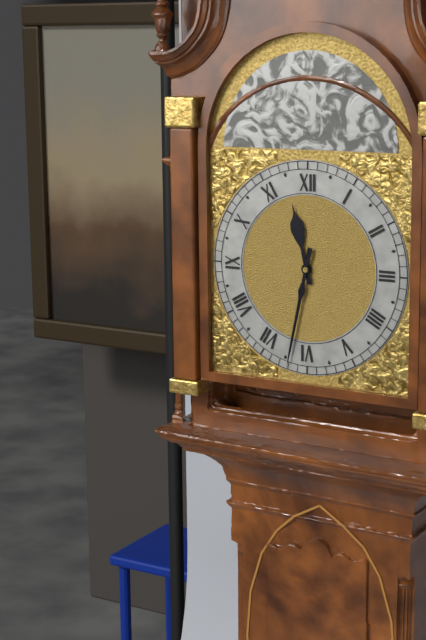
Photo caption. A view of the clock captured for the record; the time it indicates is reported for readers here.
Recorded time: 11:32
